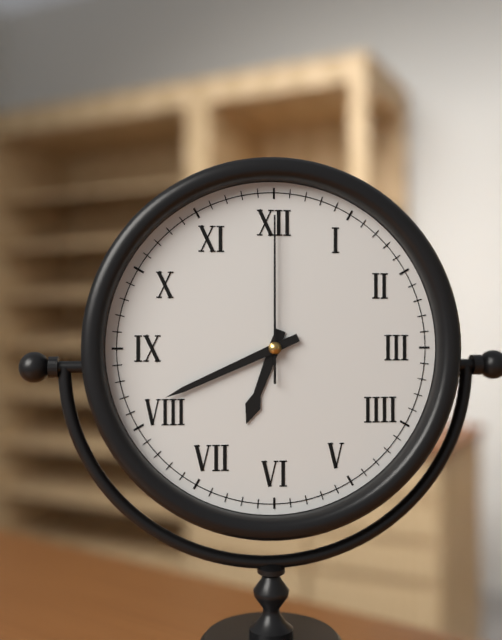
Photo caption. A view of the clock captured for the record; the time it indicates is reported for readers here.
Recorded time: 6:41:00
